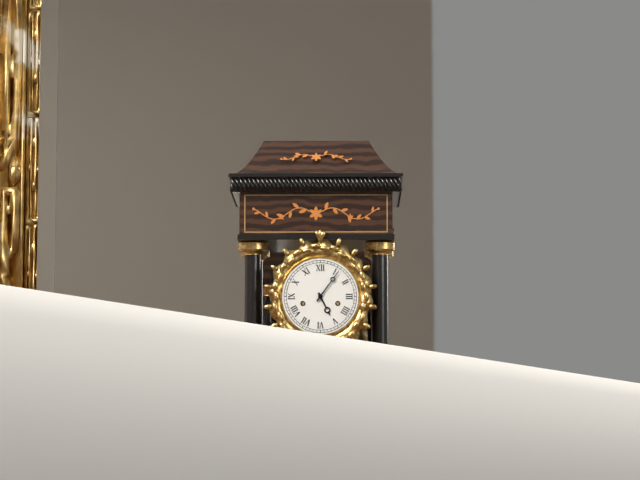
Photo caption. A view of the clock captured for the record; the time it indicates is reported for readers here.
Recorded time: 5:06
